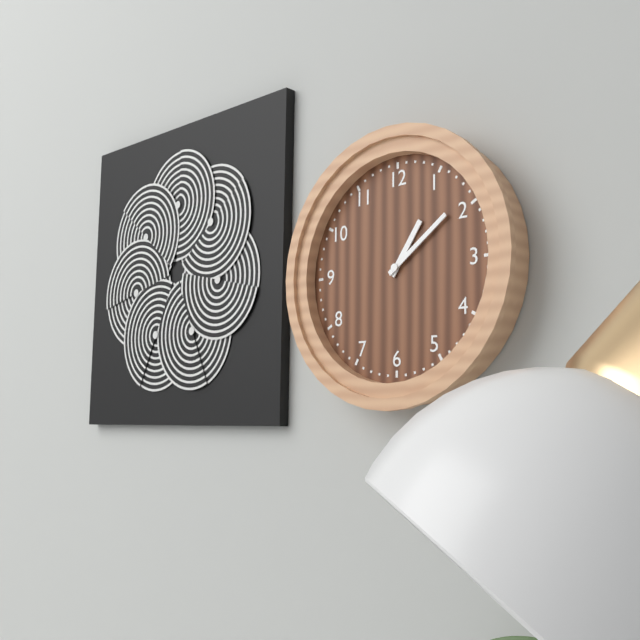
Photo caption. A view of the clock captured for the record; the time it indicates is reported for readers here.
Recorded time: 1:09
